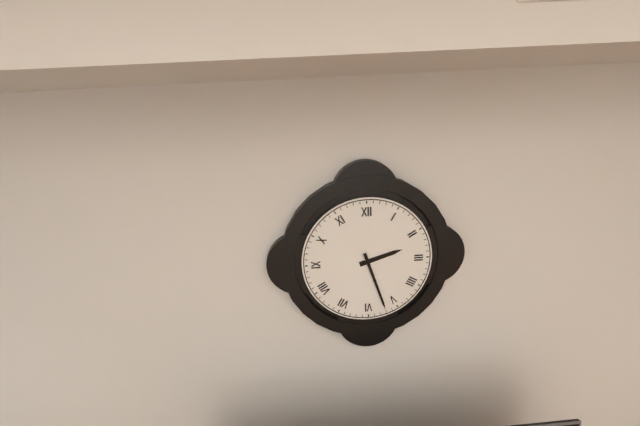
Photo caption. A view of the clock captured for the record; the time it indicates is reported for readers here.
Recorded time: 2:27
